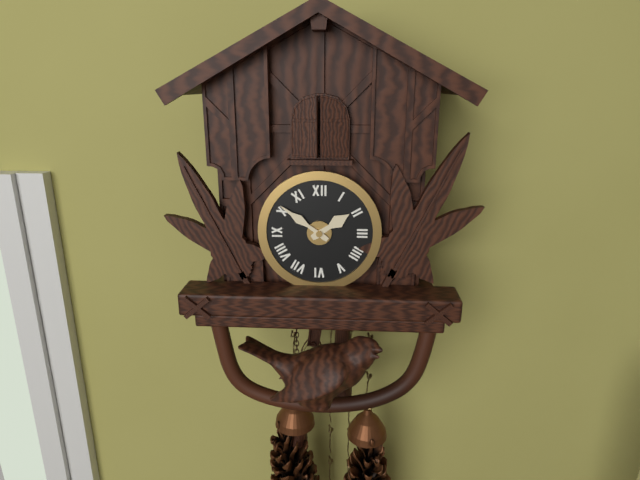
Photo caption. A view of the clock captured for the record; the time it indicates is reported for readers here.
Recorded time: 1:51
